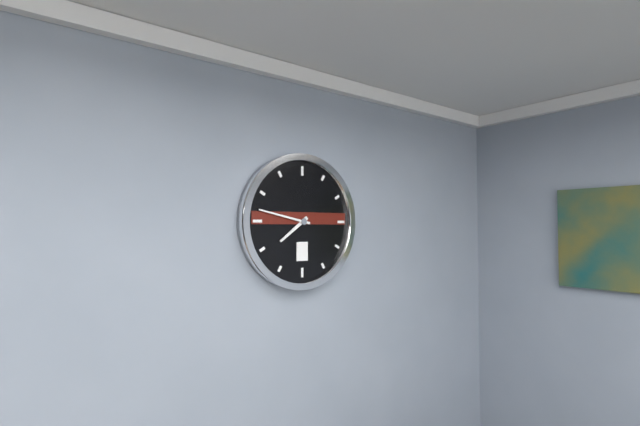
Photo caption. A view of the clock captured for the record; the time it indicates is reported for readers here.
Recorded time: 7:47
